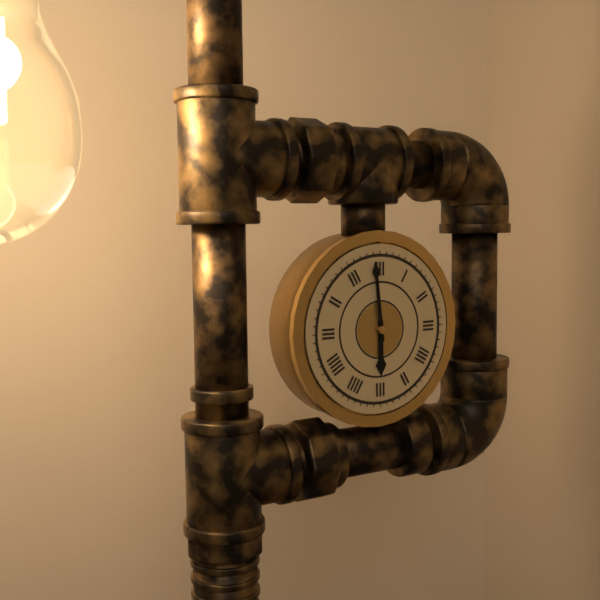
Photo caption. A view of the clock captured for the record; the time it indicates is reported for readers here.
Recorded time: 5:59
